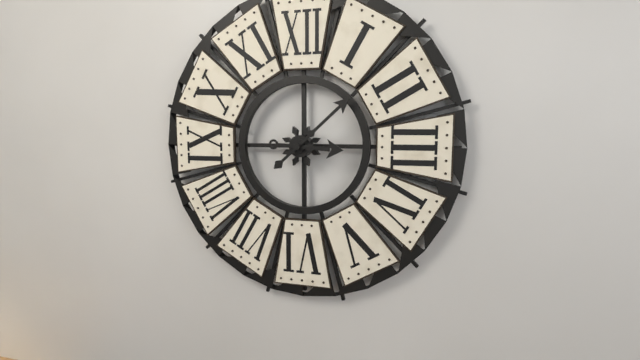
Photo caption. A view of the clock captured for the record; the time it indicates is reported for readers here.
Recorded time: 3:08
